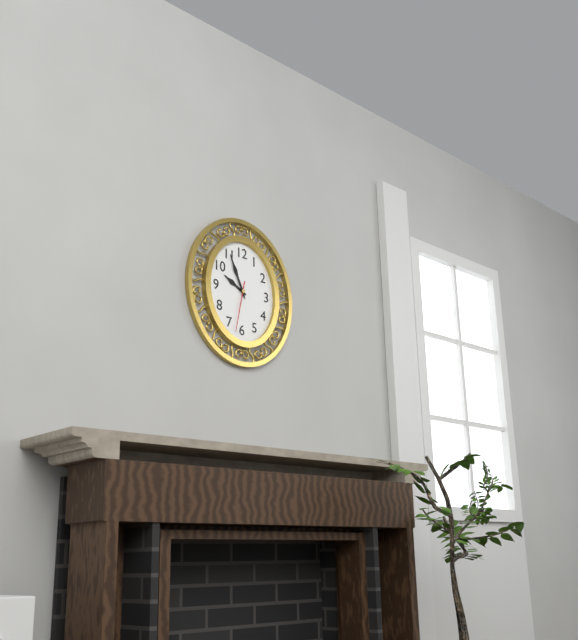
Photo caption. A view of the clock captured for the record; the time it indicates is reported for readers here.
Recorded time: 9:56
